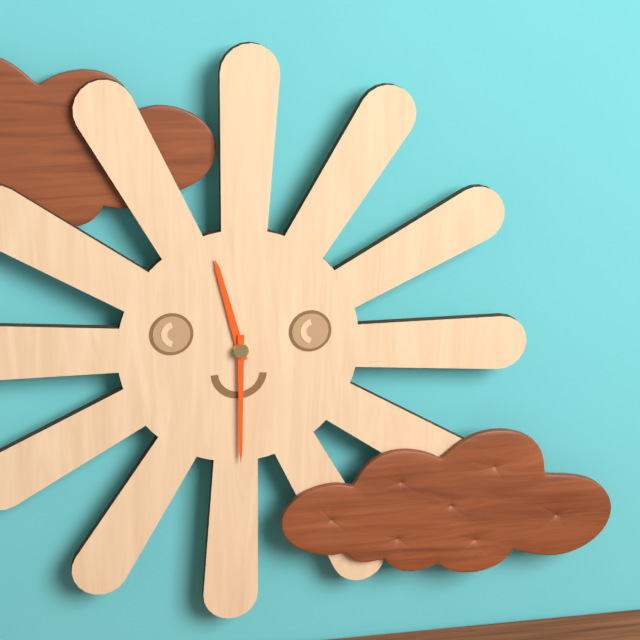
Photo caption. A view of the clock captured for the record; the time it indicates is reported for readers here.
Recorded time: 11:30
